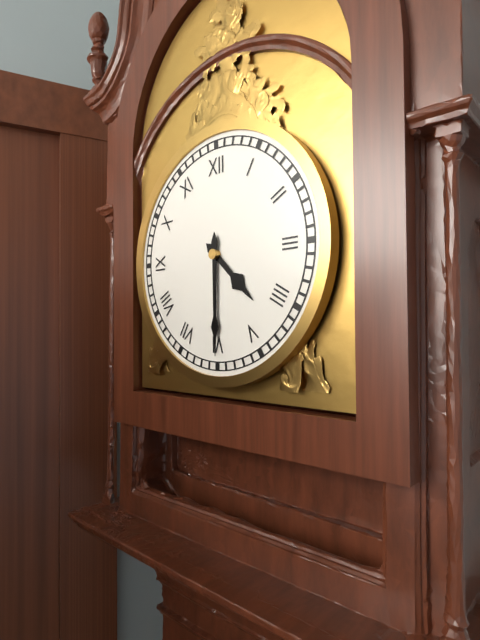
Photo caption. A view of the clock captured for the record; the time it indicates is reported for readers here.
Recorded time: 4:30
